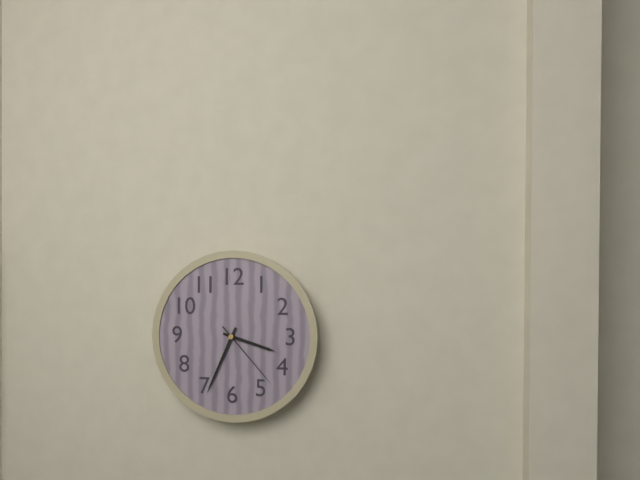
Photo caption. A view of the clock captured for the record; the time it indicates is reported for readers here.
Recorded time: 3:34:23
